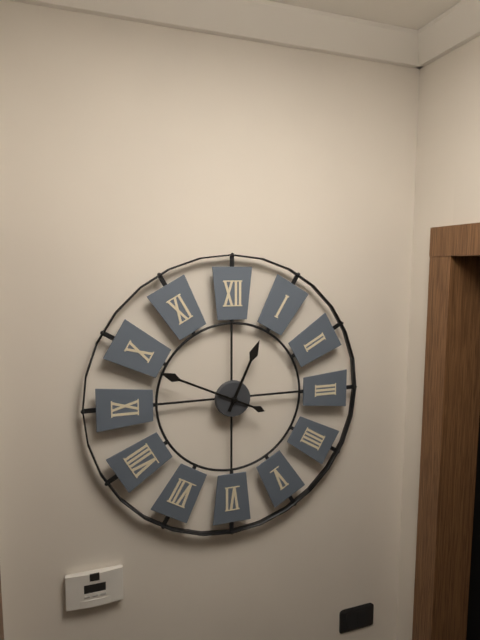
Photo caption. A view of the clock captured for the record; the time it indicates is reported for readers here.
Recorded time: 12:49
